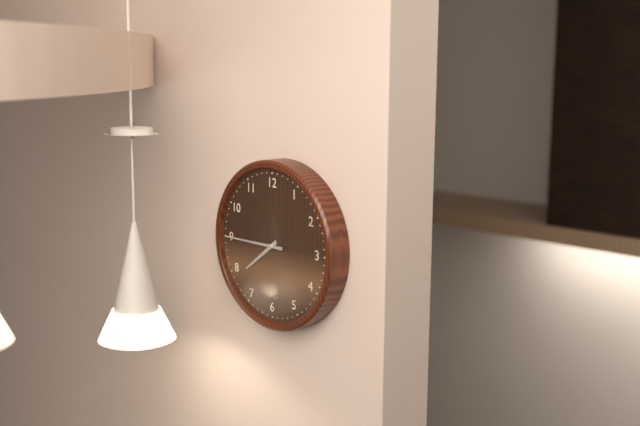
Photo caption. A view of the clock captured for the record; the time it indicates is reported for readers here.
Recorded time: 7:45
